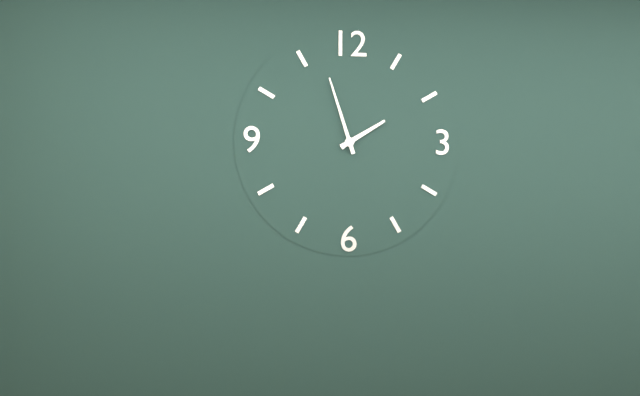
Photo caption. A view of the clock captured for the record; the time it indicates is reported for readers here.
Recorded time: 1:57
